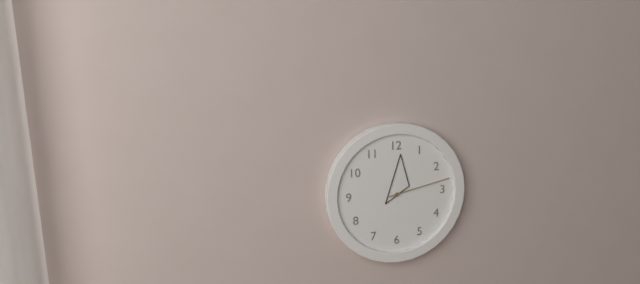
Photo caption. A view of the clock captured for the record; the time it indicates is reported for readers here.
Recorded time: 12:13
